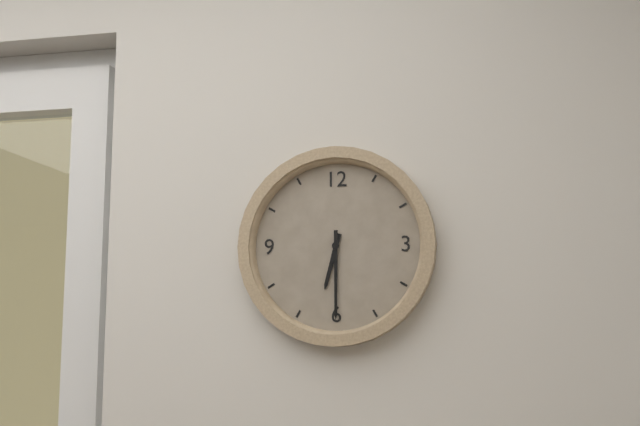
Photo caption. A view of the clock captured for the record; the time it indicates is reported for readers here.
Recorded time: 6:30
